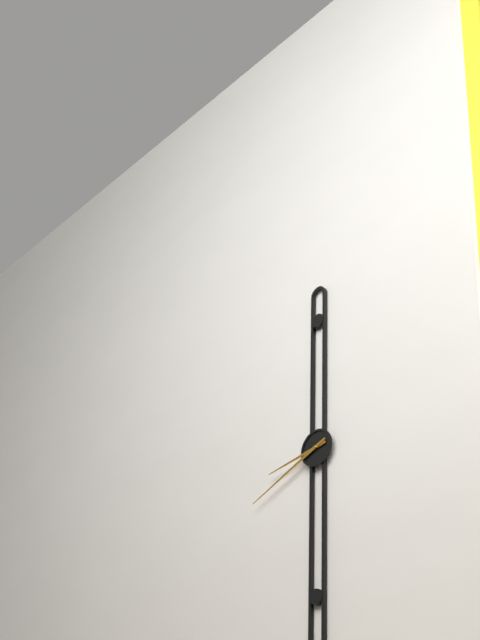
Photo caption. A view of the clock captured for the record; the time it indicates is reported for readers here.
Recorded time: 8:41
